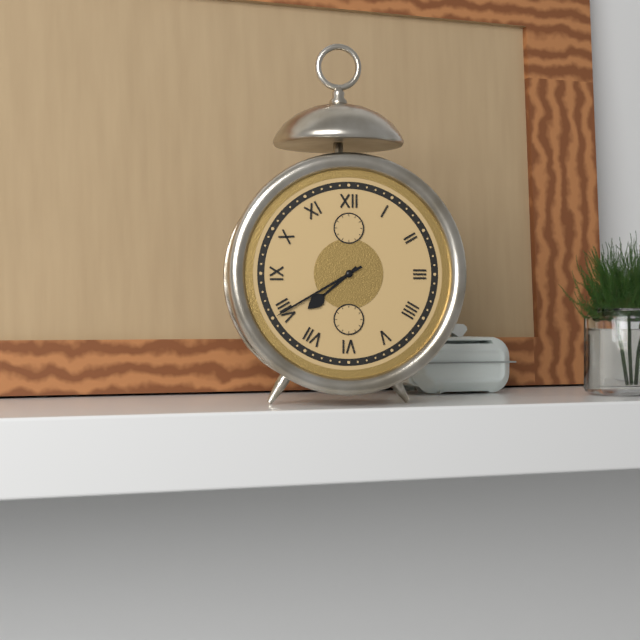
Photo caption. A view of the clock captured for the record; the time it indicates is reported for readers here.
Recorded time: 7:40
